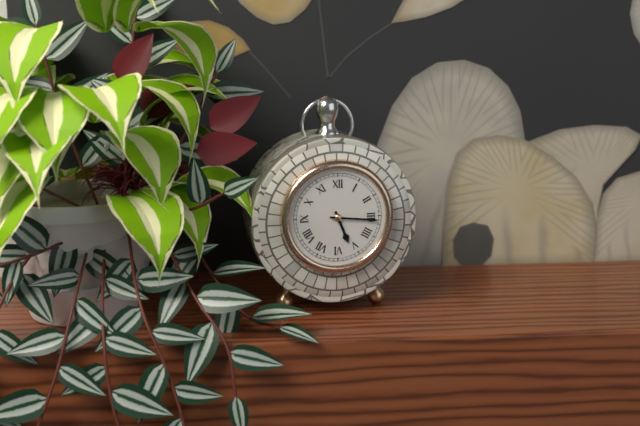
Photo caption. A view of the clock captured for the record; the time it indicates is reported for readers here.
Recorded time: 5:16
